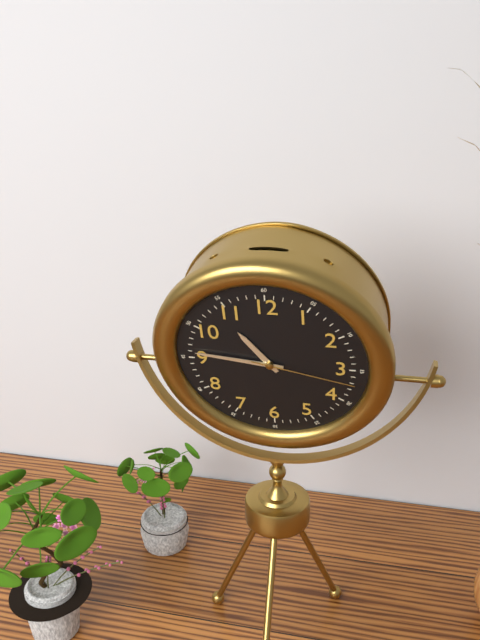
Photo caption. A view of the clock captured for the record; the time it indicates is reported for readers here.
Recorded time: 10:46:17
